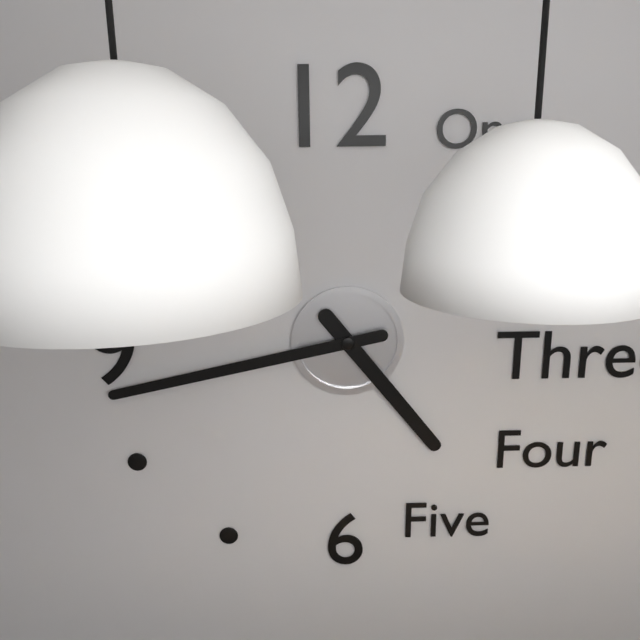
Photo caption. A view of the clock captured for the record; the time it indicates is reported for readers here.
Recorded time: 4:43
